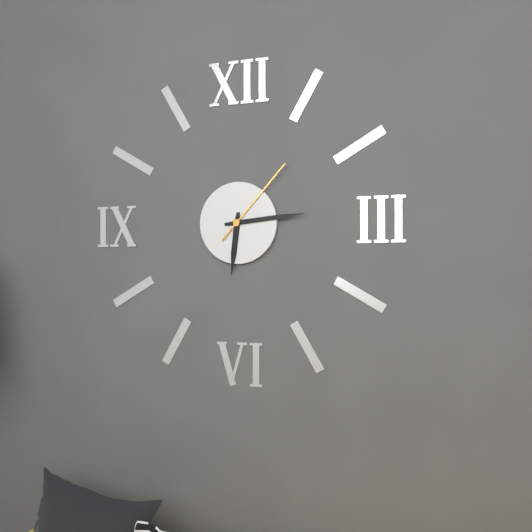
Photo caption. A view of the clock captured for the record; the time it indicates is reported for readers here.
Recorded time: 6:14:07
